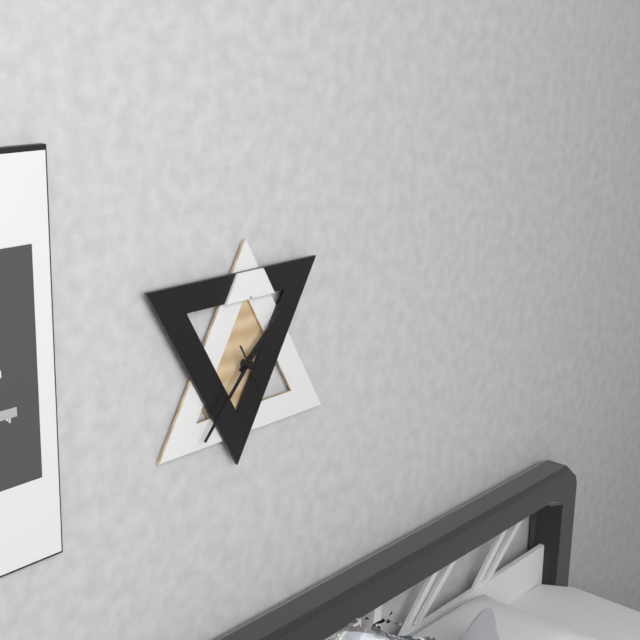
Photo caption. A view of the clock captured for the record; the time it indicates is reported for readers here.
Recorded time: 1:37
